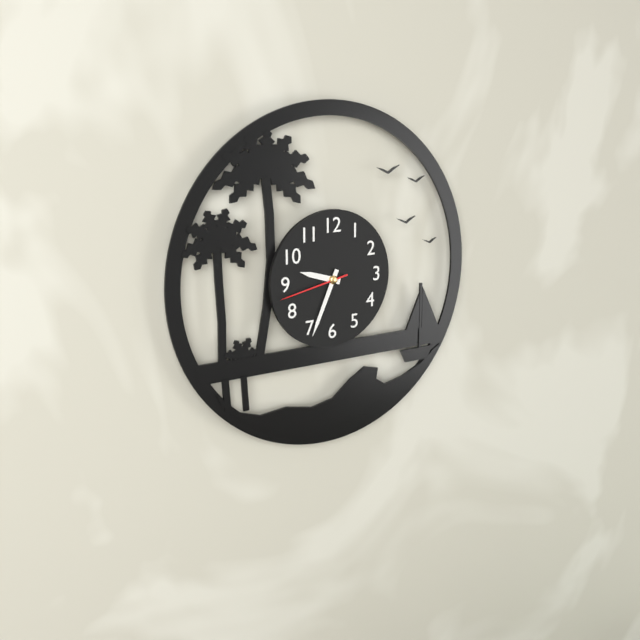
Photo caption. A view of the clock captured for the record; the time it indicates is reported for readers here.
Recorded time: 9:34:43
